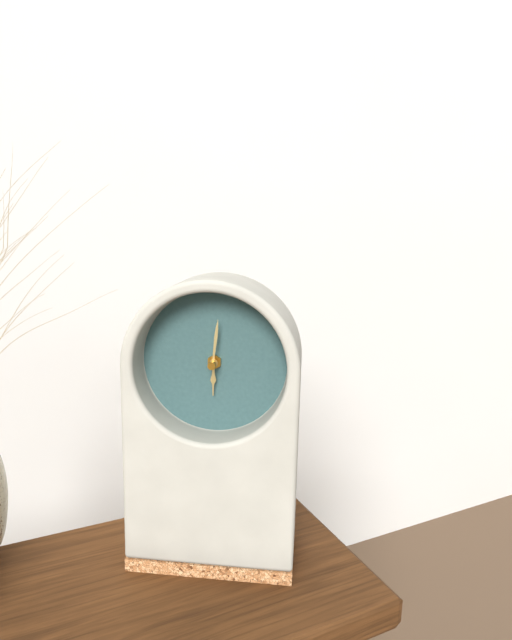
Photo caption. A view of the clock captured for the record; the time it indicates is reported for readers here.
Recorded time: 6:01
